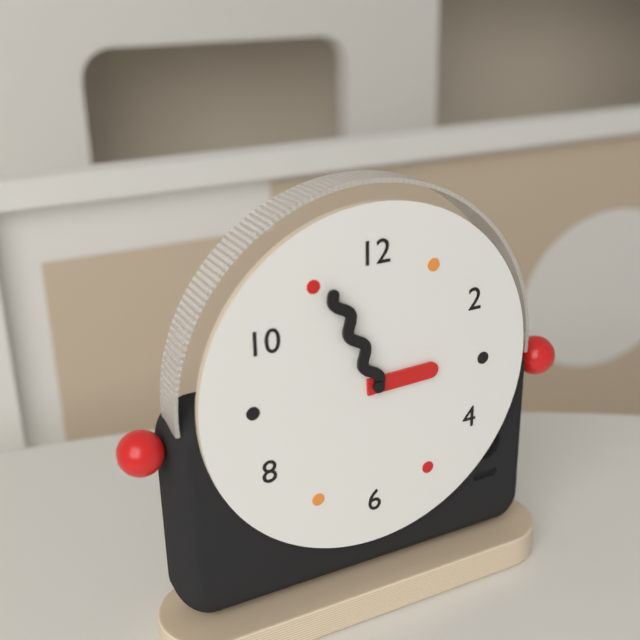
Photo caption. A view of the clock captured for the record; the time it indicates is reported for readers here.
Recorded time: 2:56
